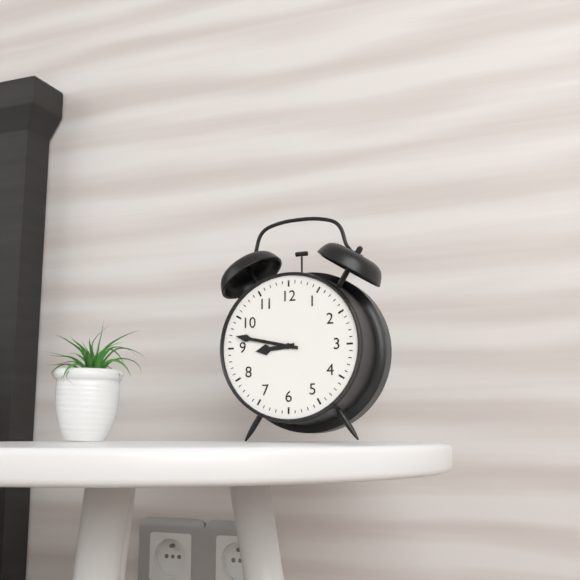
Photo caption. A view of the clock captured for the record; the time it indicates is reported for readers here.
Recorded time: 8:47
